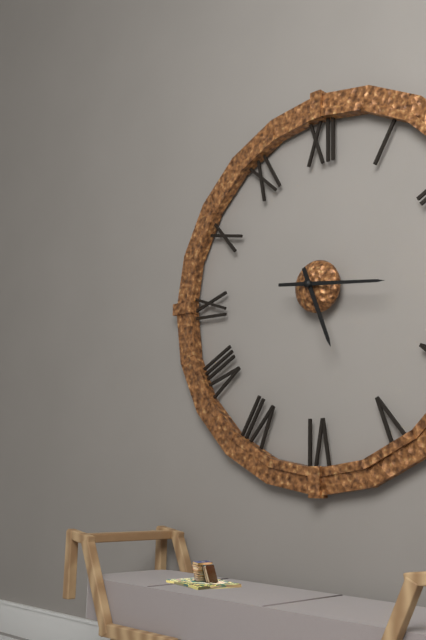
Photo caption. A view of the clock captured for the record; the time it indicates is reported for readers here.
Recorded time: 5:16
